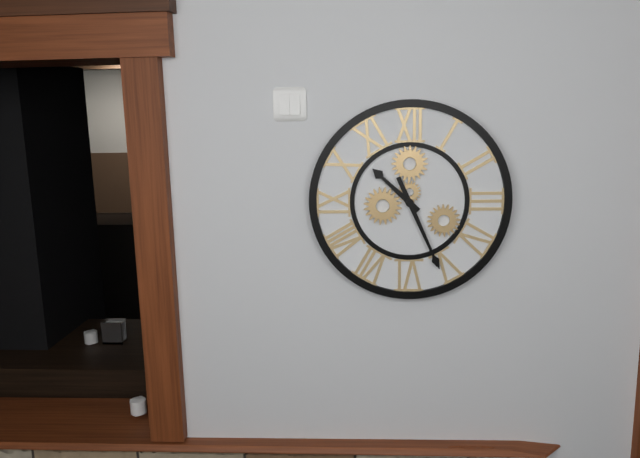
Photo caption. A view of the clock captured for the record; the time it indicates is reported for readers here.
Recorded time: 10:26
